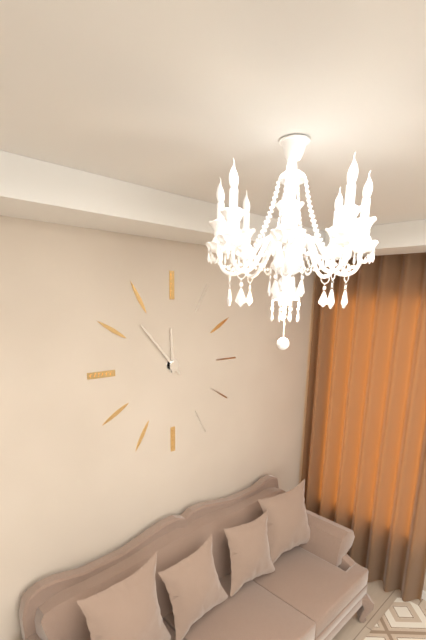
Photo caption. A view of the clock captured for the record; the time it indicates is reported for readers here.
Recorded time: 11:53
